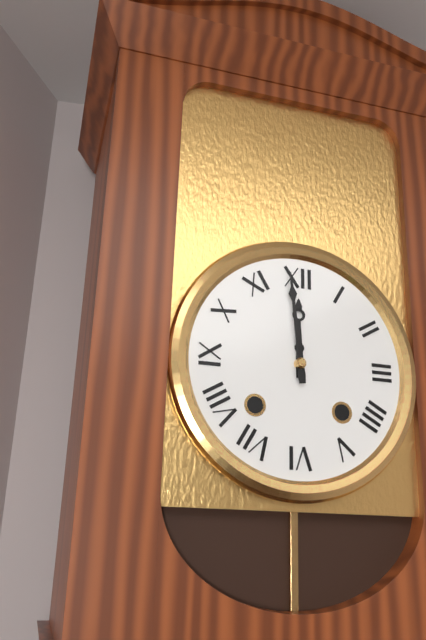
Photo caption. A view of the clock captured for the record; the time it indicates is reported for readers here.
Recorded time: 11:59
